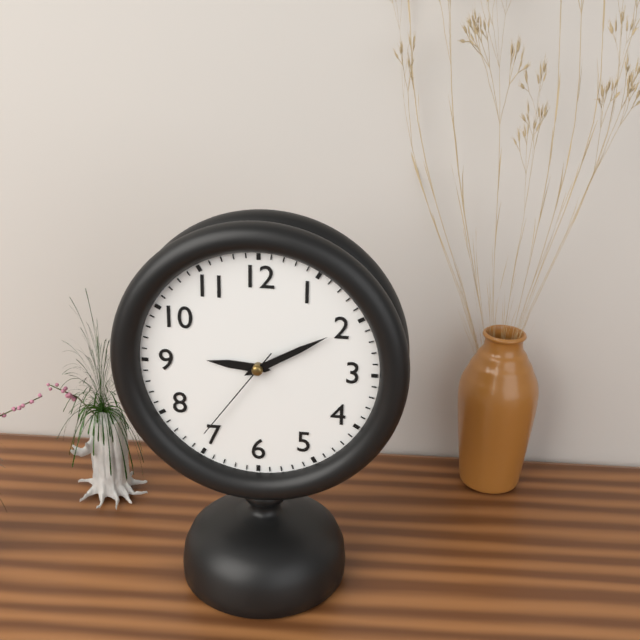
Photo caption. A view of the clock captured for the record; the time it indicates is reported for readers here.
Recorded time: 9:10:36
